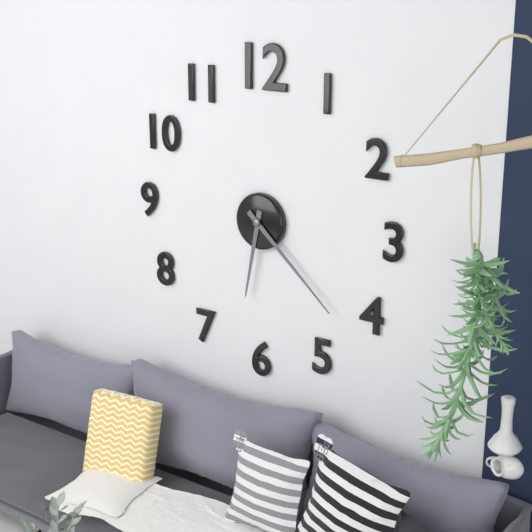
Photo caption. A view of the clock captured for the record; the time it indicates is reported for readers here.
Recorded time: 6:22
